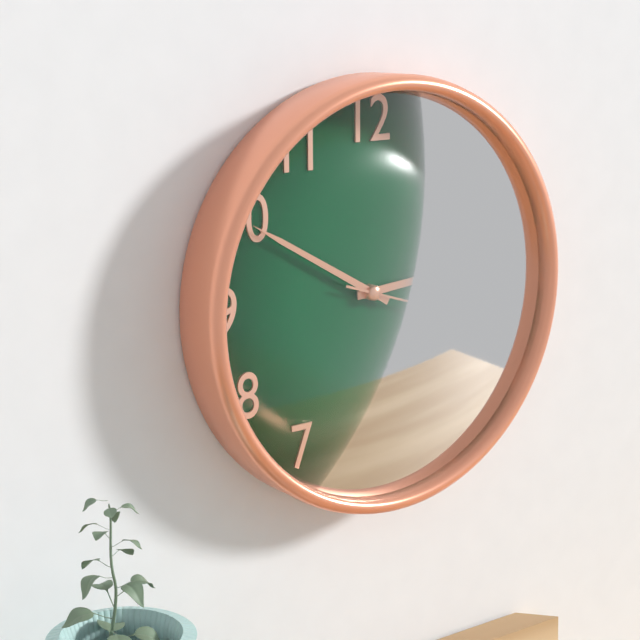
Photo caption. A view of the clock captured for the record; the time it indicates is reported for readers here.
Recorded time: 2:50:18
